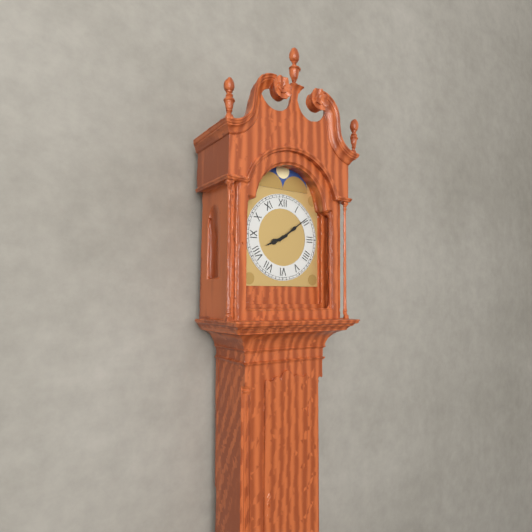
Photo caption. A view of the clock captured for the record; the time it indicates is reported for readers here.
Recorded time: 8:09
